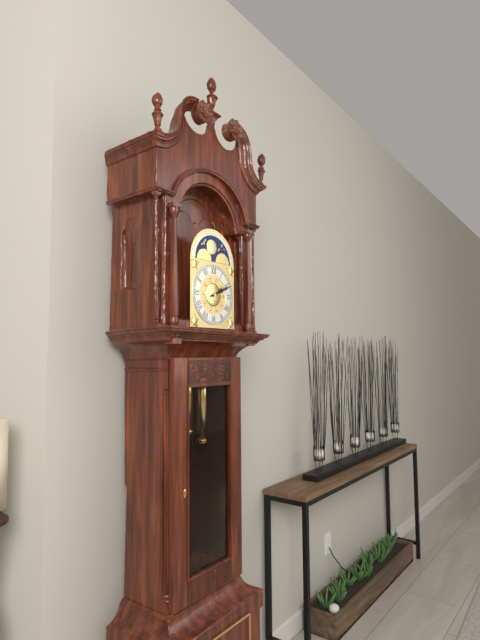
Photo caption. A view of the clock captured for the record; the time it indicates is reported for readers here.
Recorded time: 2:11
